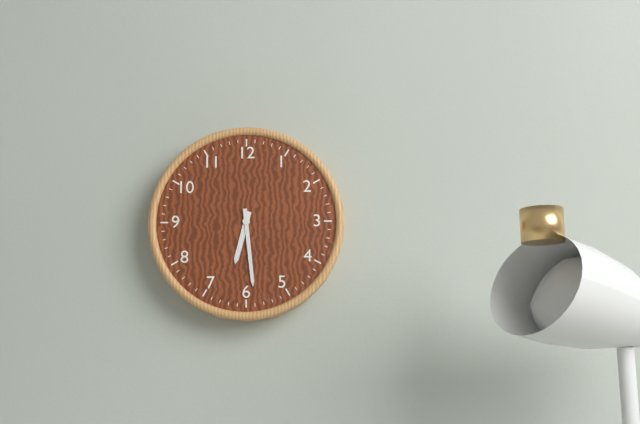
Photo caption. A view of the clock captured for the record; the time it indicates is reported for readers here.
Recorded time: 6:29
